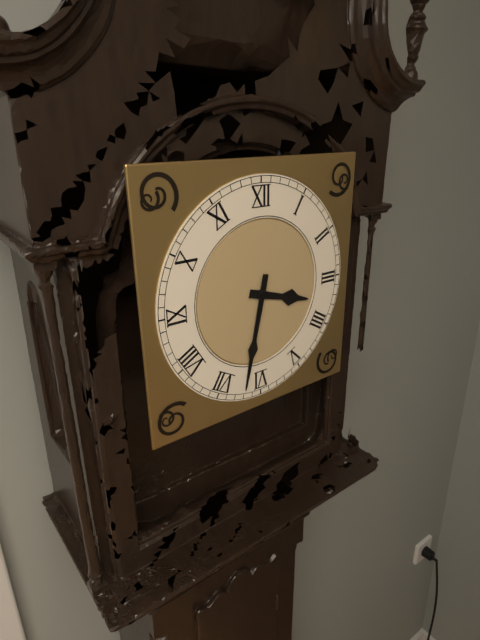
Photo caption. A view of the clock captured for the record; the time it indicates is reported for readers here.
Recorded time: 3:32
